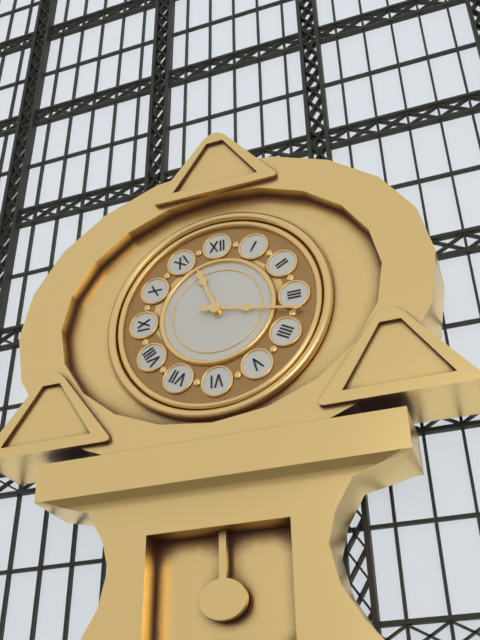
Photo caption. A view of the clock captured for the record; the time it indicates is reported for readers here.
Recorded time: 11:17
